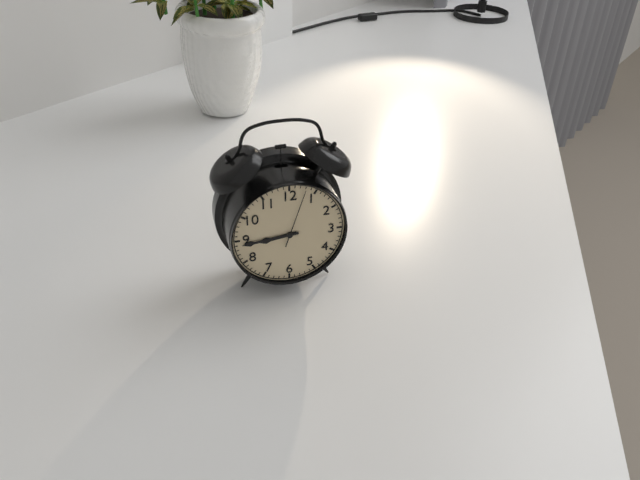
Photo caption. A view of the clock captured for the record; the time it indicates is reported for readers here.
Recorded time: 8:44:03
